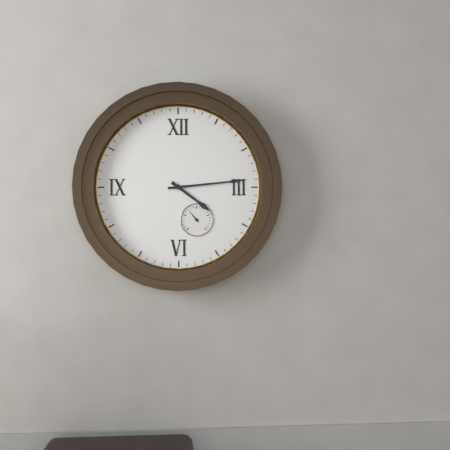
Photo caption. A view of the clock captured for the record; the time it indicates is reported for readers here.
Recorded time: 4:14
